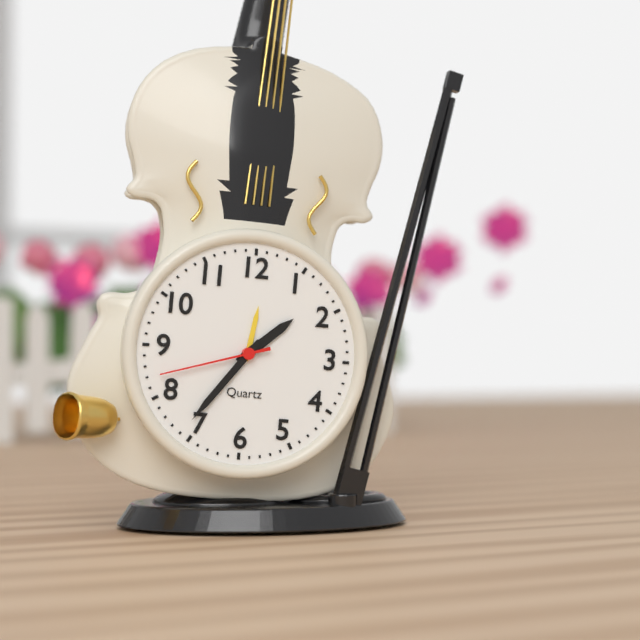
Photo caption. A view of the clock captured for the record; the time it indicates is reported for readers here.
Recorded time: 1:36:42
